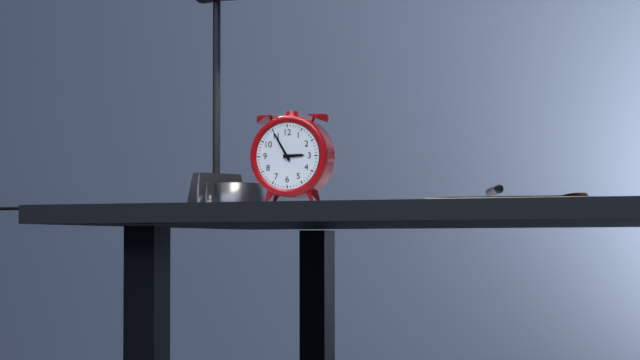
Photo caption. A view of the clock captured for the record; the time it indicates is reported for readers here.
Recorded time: 2:55
